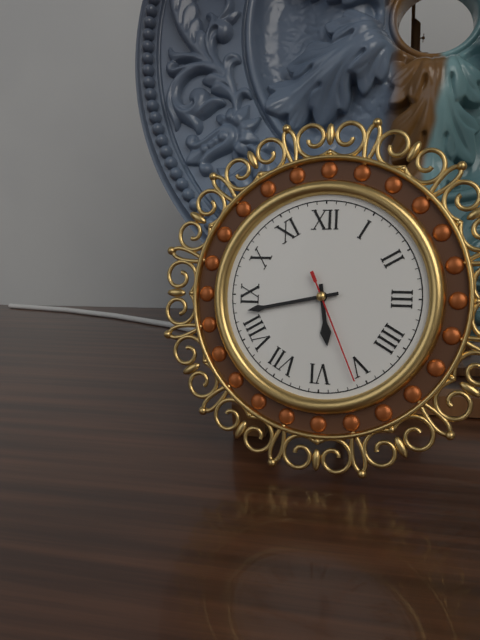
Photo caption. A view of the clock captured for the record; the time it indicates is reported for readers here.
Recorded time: 5:43:26
